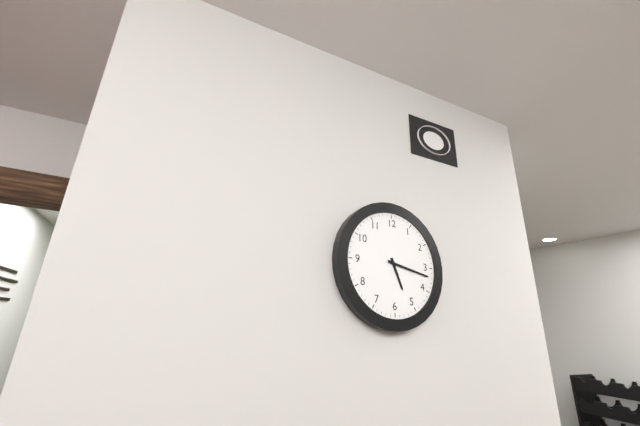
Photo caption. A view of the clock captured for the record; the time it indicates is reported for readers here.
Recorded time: 5:17
